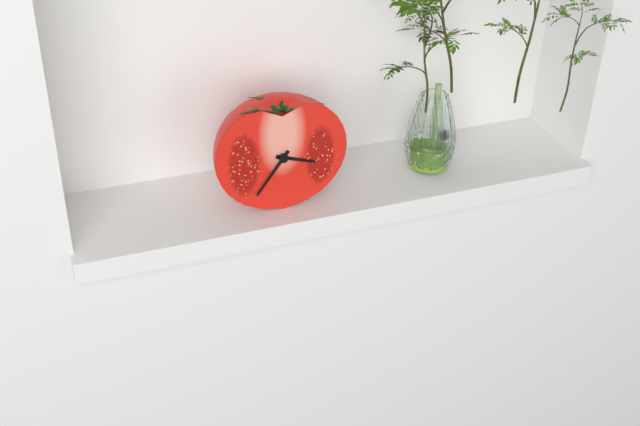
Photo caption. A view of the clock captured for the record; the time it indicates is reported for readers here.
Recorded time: 3:36
